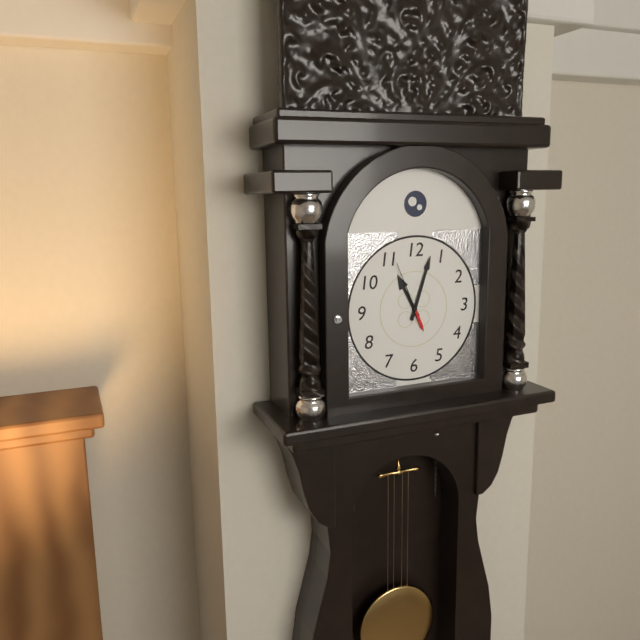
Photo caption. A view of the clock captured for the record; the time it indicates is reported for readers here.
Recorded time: 11:03
